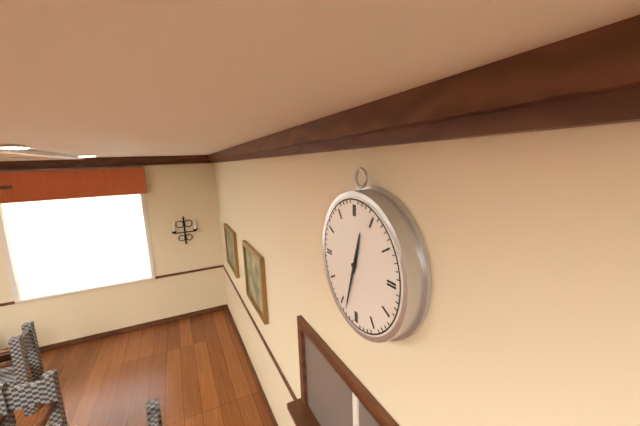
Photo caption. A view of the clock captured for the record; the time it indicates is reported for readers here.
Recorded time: 12:33
